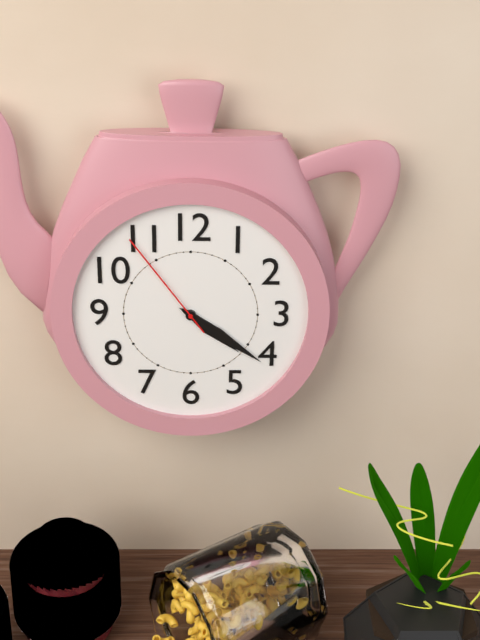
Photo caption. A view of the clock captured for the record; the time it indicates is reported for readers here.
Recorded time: 4:21:54
